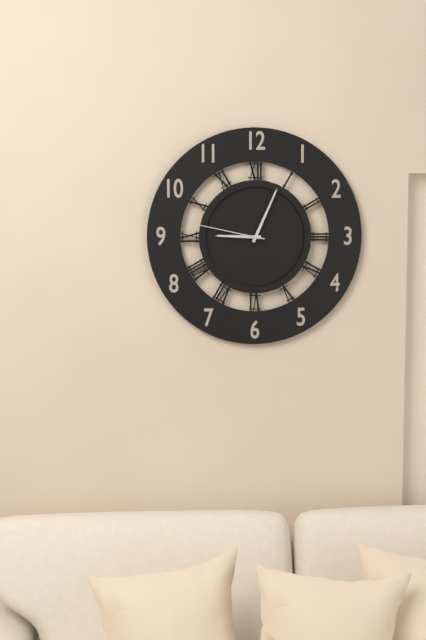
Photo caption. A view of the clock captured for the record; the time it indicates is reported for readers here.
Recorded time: 9:04:47
